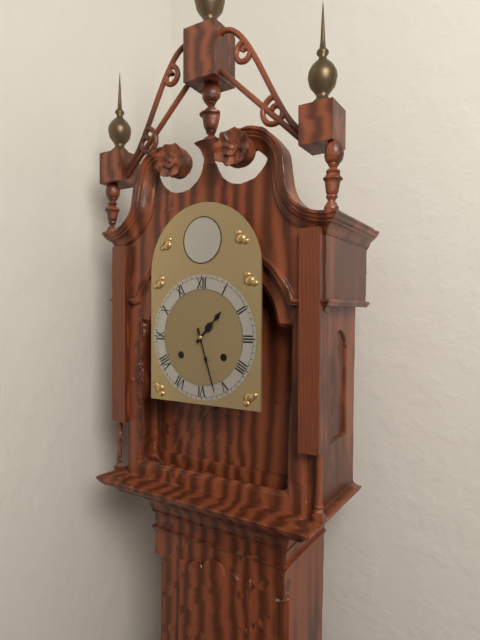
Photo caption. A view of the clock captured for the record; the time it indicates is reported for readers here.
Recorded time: 1:27
